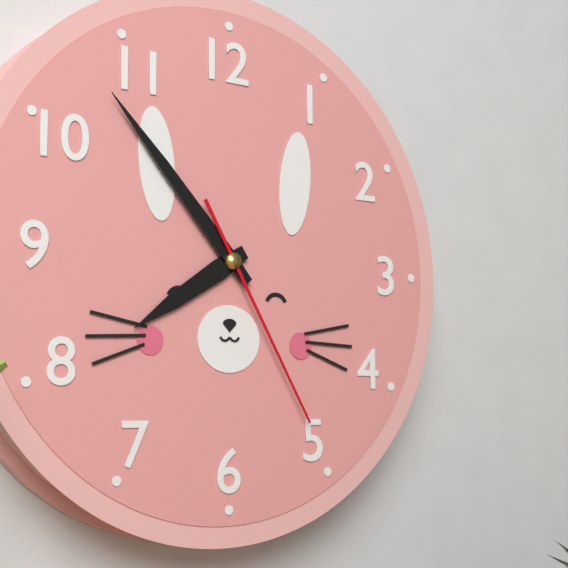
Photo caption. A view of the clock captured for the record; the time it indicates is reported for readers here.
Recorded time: 7:53:25
